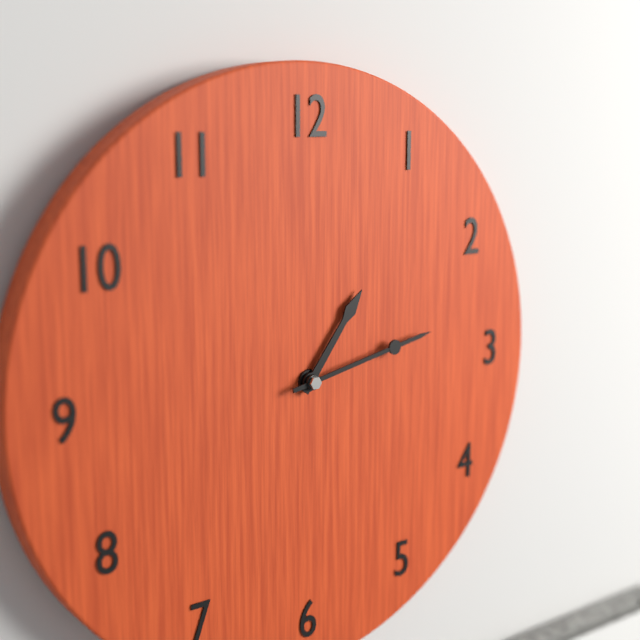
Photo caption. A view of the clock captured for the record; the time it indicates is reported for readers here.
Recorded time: 1:13
